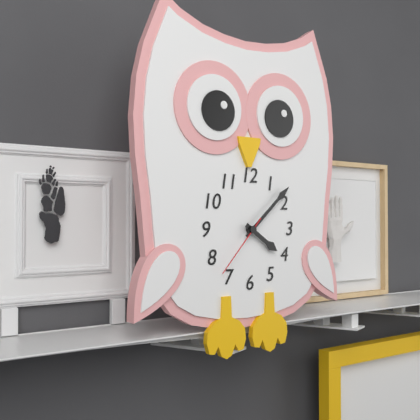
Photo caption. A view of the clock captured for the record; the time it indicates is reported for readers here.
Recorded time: 4:08:37
